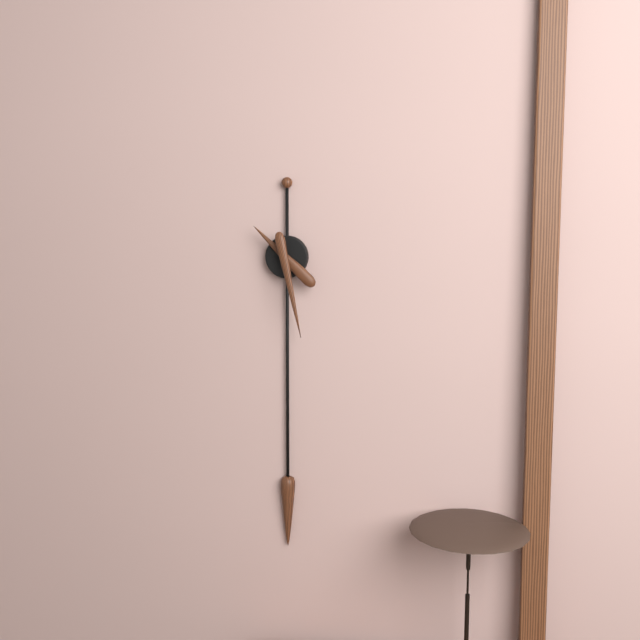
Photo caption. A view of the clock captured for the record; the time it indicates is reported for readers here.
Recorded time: 10:28
